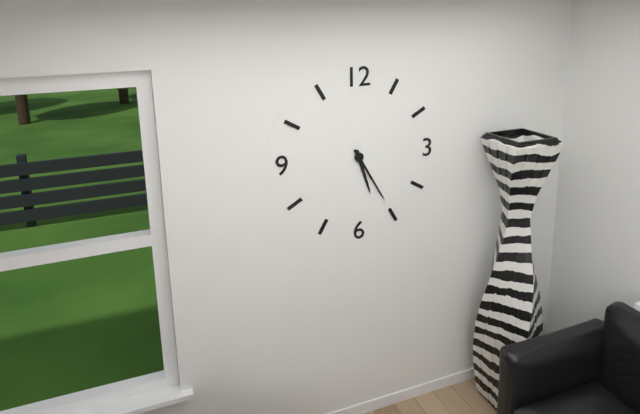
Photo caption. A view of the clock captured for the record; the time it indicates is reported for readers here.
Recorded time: 5:25
